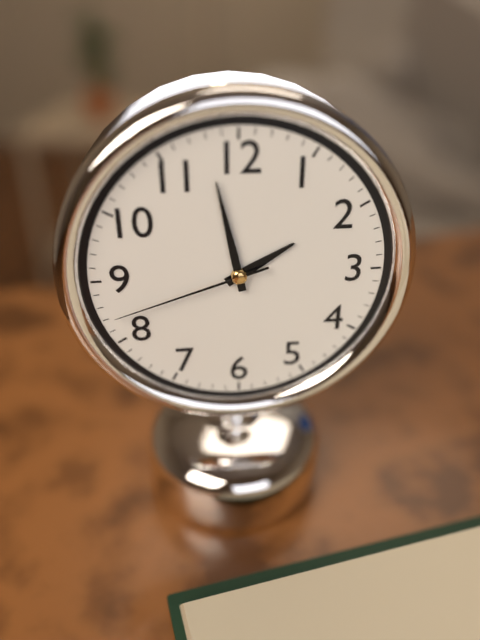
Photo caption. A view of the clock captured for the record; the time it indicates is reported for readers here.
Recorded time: 1:58:42
